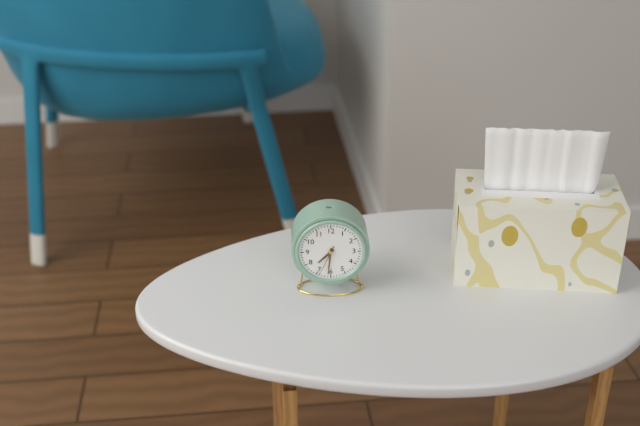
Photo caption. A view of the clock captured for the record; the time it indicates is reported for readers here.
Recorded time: 7:31
